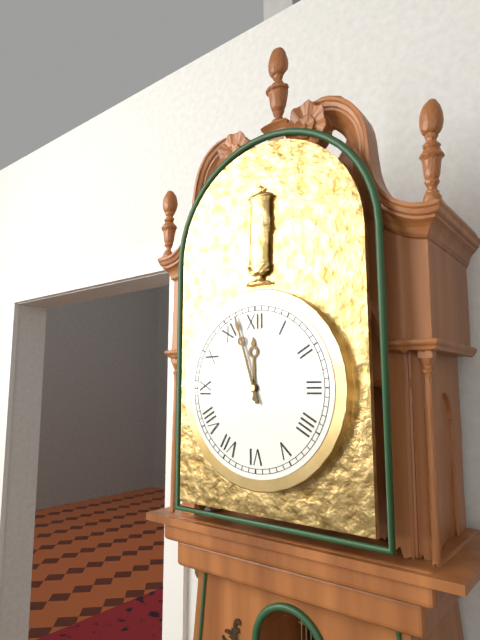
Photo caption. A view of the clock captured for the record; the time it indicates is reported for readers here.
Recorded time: 11:57
